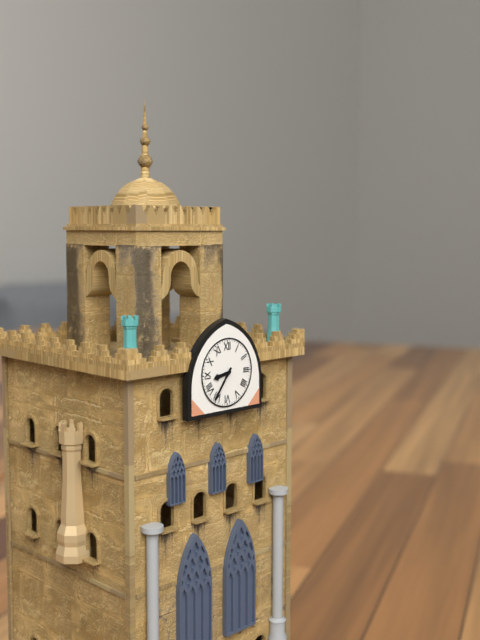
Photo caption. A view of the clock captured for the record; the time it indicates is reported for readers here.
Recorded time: 8:36
